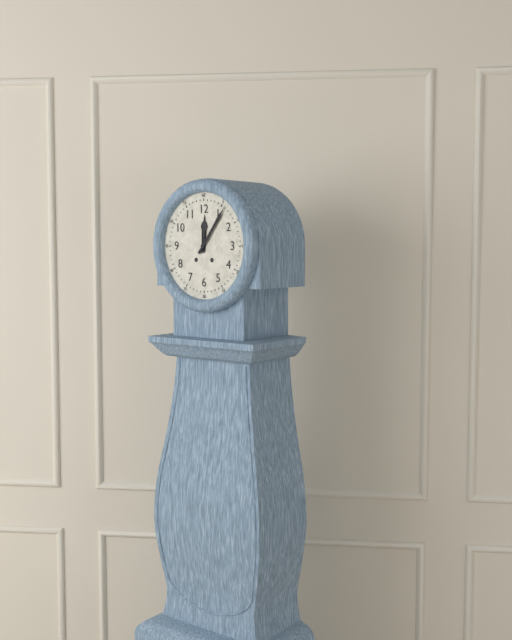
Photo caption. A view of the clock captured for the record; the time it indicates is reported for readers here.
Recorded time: 12:06
